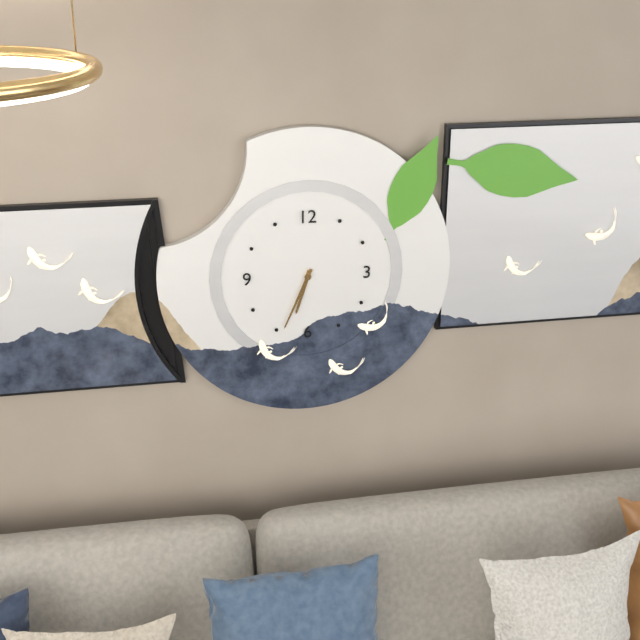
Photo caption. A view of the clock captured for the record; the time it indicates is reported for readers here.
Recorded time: 6:34
